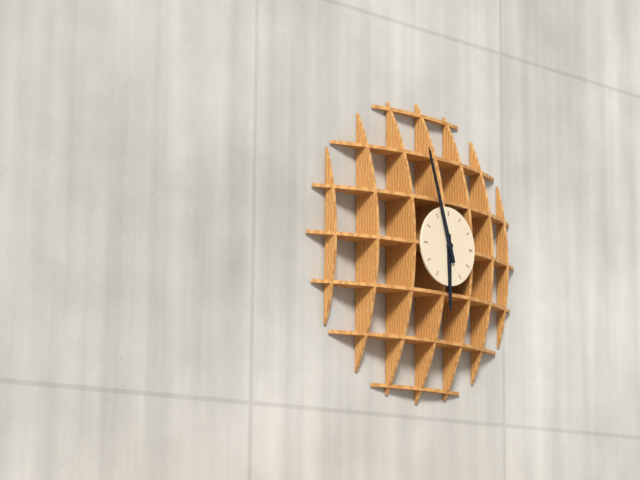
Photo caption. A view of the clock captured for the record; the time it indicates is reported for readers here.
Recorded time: 5:57
